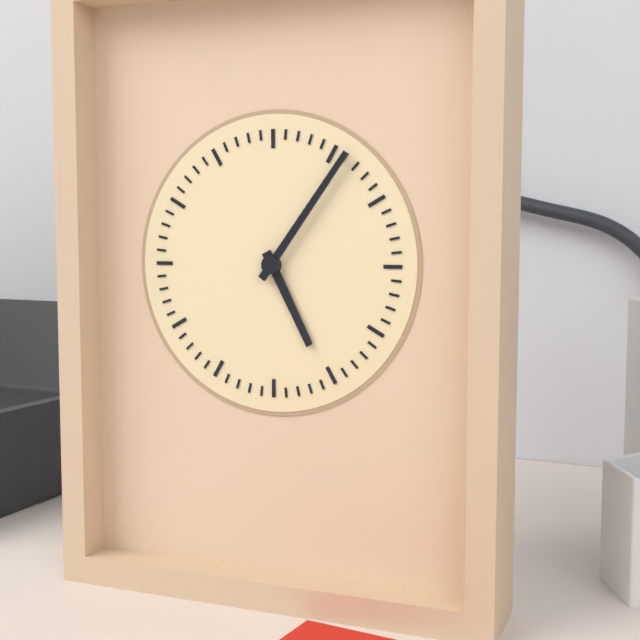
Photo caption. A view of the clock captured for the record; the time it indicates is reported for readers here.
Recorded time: 5:06
